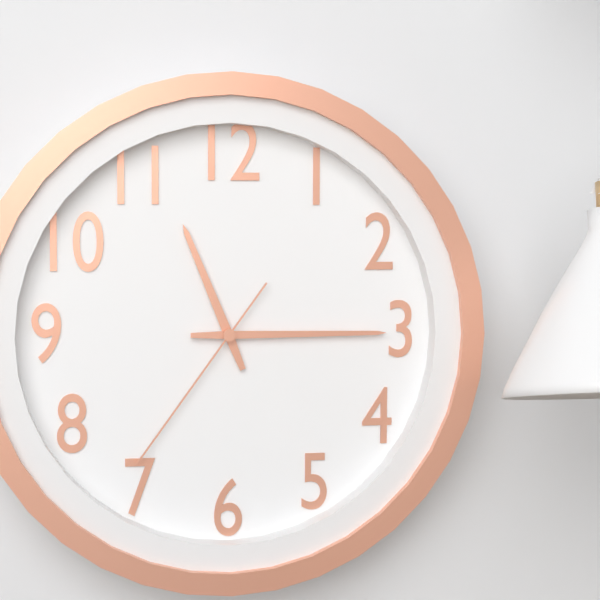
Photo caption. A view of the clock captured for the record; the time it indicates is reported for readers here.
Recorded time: 11:15:36
